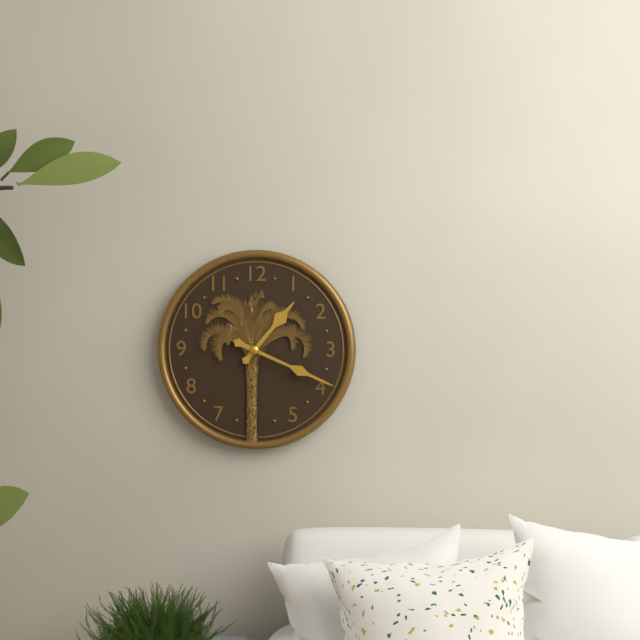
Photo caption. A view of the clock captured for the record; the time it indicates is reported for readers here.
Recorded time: 1:19
